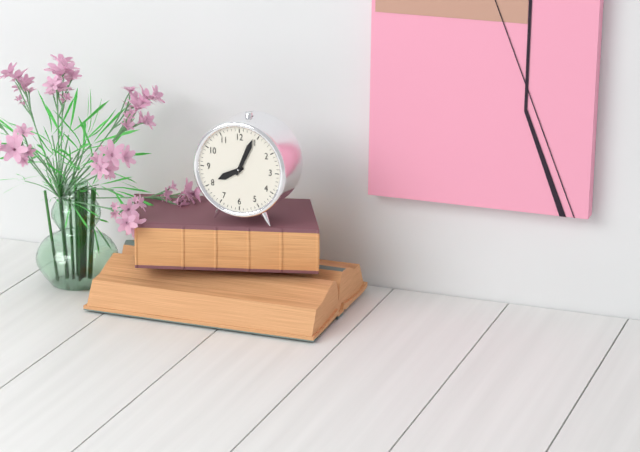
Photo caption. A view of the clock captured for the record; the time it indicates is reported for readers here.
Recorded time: 8:04
